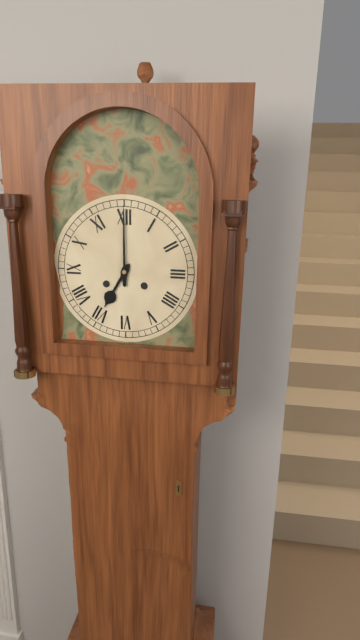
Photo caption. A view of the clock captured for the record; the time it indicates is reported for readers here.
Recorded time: 7:00
